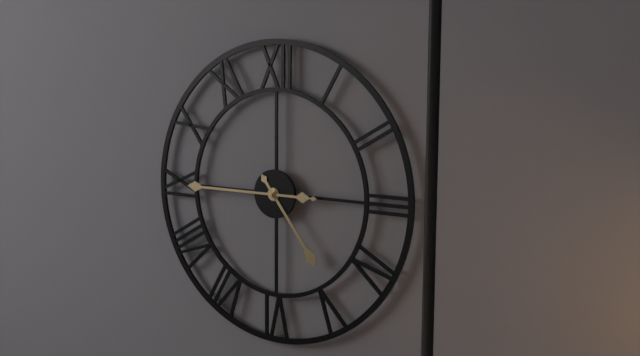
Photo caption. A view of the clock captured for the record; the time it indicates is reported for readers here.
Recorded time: 4:45
